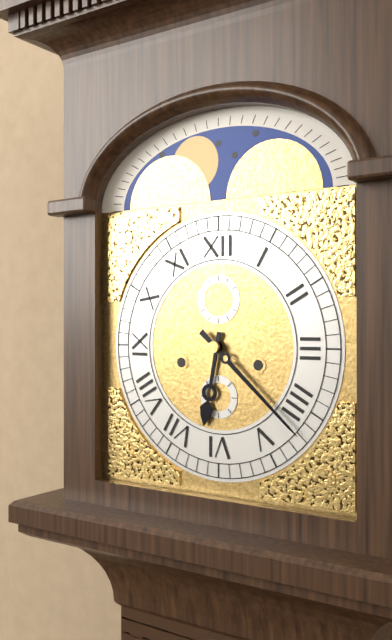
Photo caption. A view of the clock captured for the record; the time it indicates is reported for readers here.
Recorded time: 6:22
